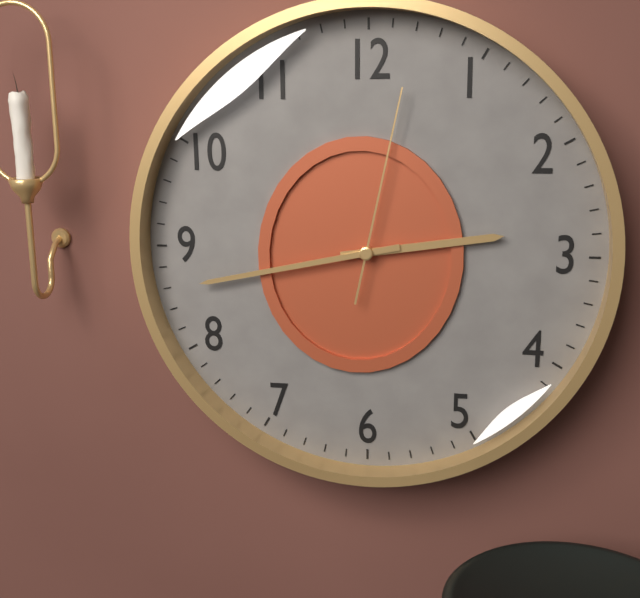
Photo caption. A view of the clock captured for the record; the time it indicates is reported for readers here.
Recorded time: 2:43:02
